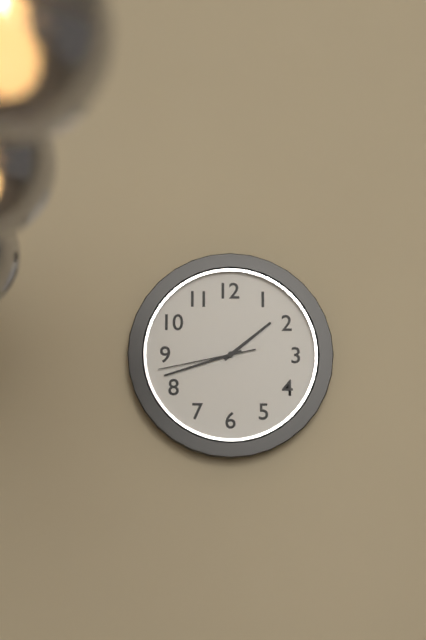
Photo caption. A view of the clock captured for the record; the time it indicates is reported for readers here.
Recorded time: 1:42:43
